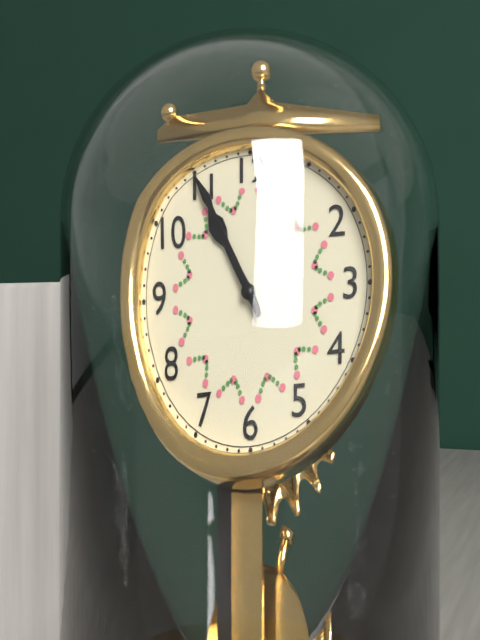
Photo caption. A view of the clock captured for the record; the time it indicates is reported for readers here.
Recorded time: 10:55
